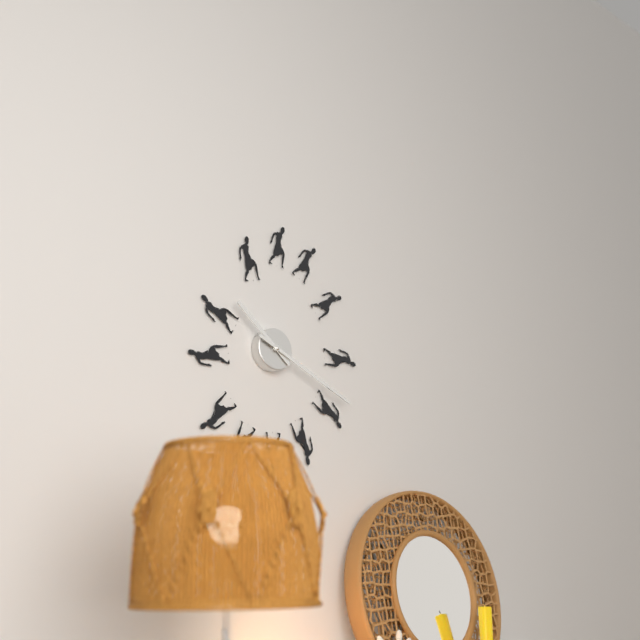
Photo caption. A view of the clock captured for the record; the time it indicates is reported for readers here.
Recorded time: 10:19
